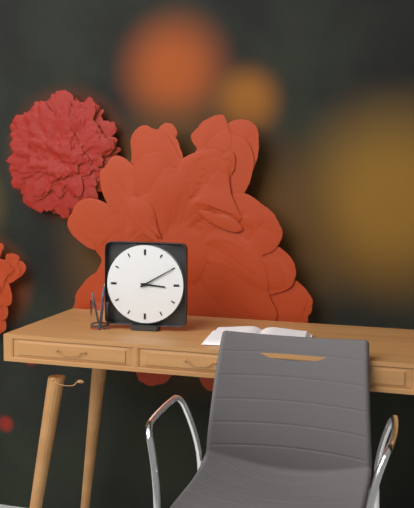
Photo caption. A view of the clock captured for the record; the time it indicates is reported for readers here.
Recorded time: 3:10
